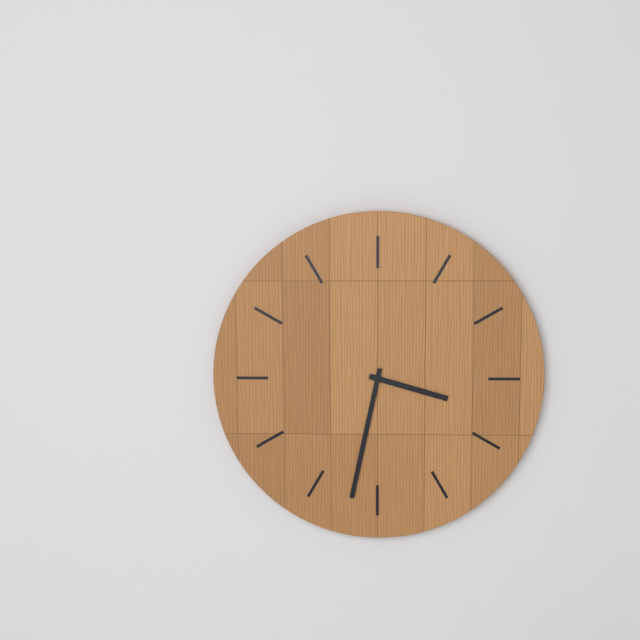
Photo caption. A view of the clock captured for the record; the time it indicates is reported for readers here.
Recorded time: 3:32
